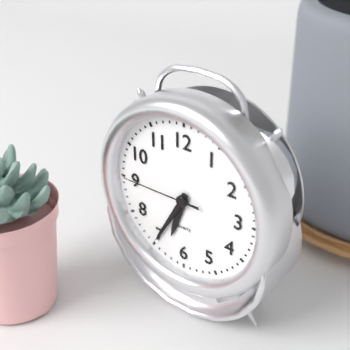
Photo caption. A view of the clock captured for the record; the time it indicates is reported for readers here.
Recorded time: 6:35:45
